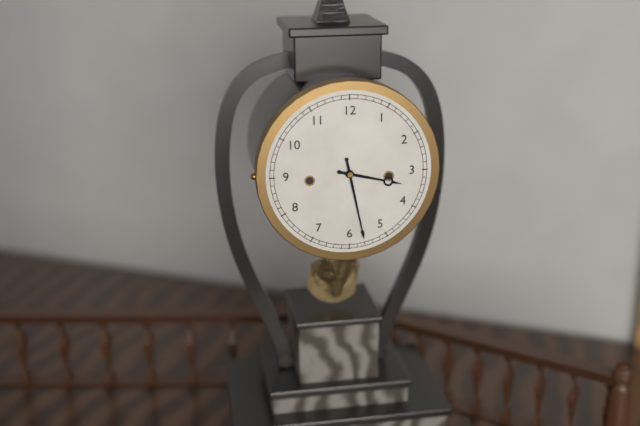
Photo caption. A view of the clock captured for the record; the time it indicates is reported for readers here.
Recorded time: 3:28
